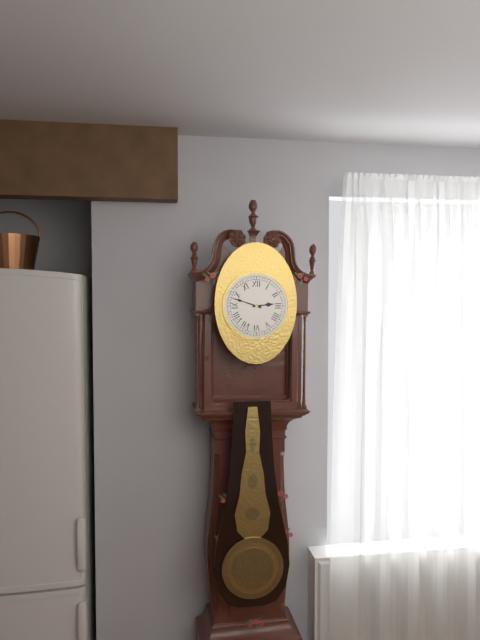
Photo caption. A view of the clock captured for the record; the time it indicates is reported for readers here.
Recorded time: 2:48
